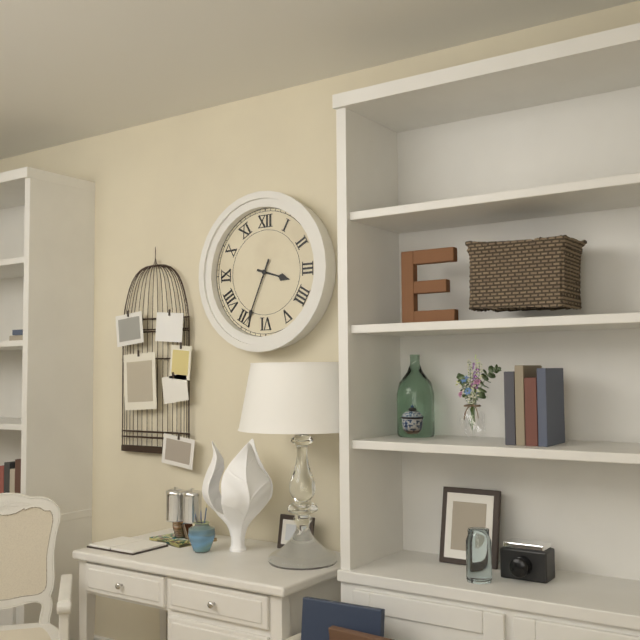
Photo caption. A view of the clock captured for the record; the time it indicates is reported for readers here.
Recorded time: 3:34
